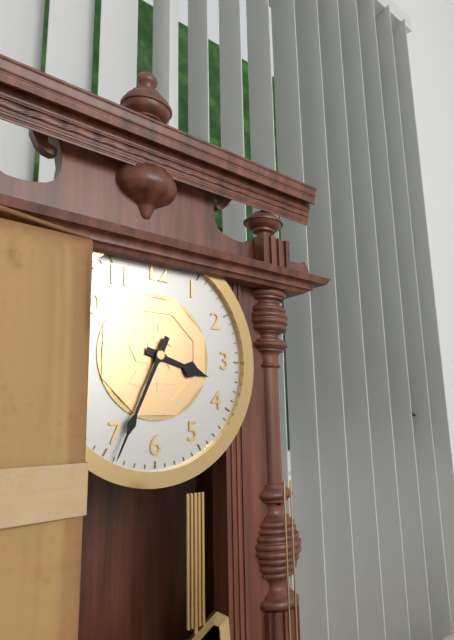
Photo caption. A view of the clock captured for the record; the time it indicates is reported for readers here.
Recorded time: 3:34
